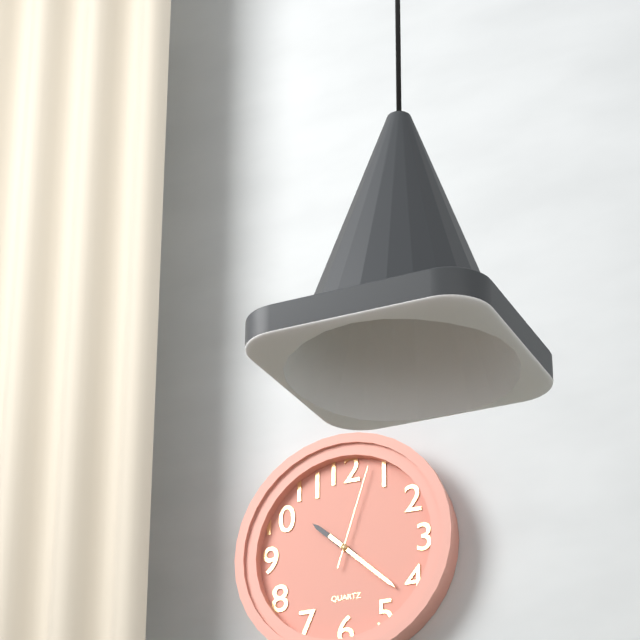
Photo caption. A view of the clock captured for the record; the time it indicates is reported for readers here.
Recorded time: 10:22:03
